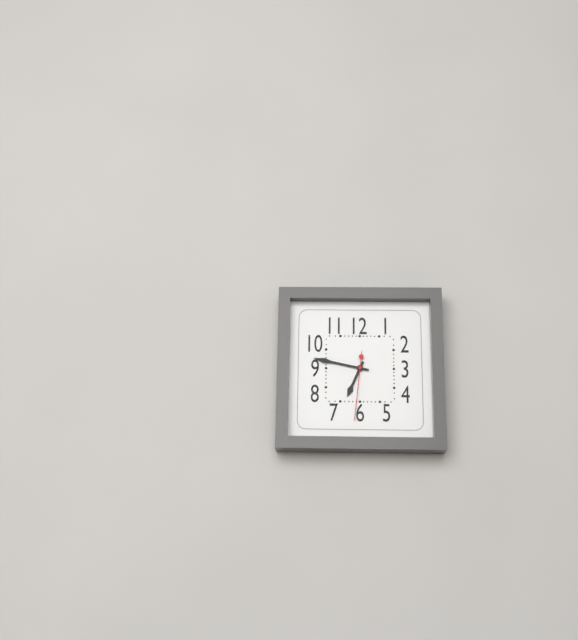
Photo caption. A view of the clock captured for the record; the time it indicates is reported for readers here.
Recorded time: 6:47:31
